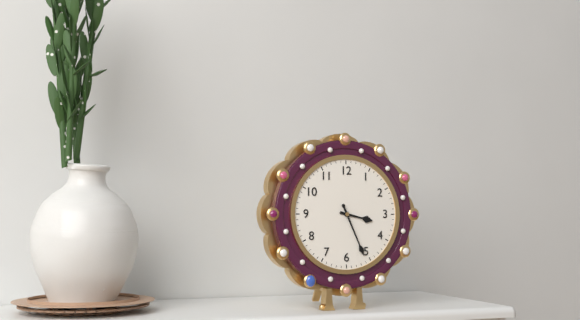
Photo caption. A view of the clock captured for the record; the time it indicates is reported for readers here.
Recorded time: 3:26
